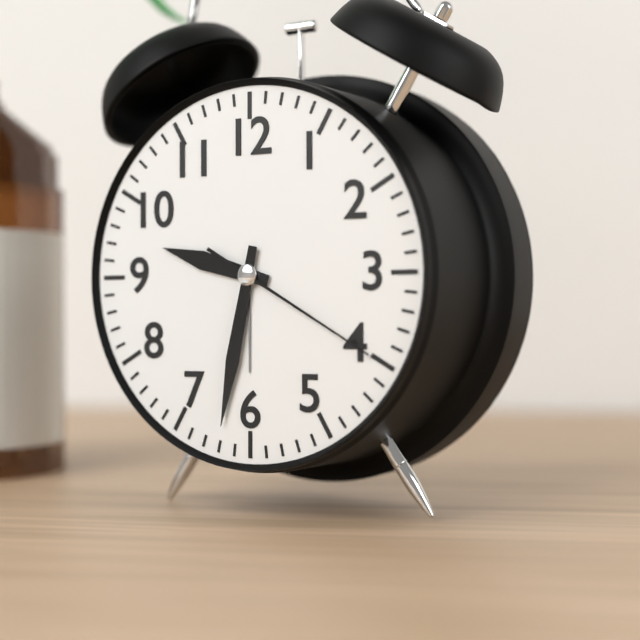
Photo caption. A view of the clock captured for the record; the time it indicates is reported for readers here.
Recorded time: 9:32:20
